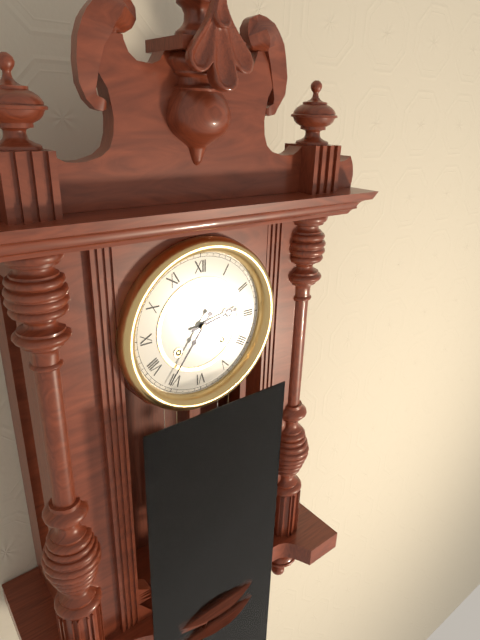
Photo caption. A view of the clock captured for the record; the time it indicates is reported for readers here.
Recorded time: 2:36
